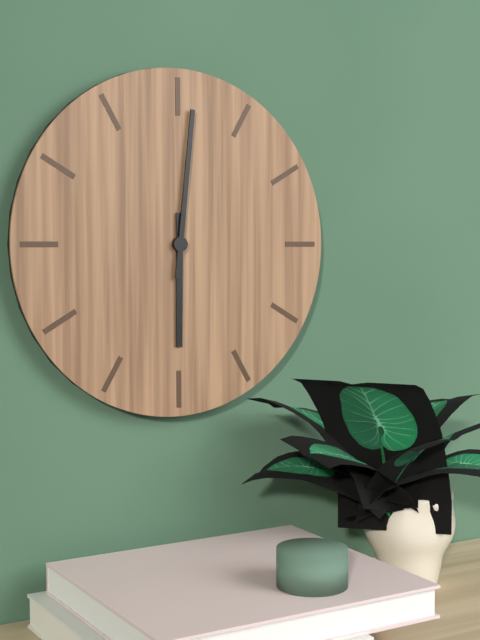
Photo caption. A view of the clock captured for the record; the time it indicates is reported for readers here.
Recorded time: 6:01
